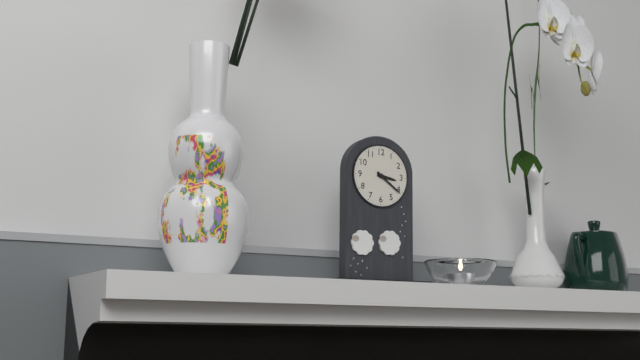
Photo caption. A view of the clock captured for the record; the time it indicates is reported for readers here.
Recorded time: 3:21
